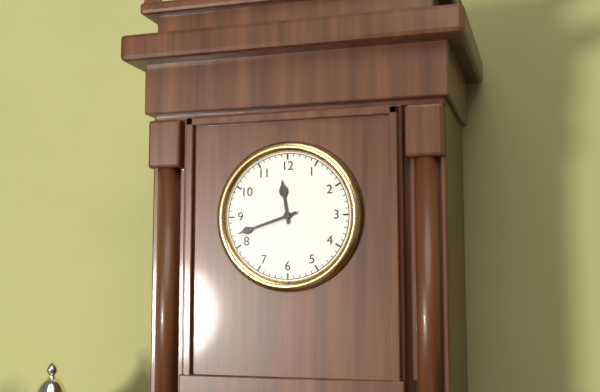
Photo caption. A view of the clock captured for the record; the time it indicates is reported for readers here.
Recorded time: 11:42
